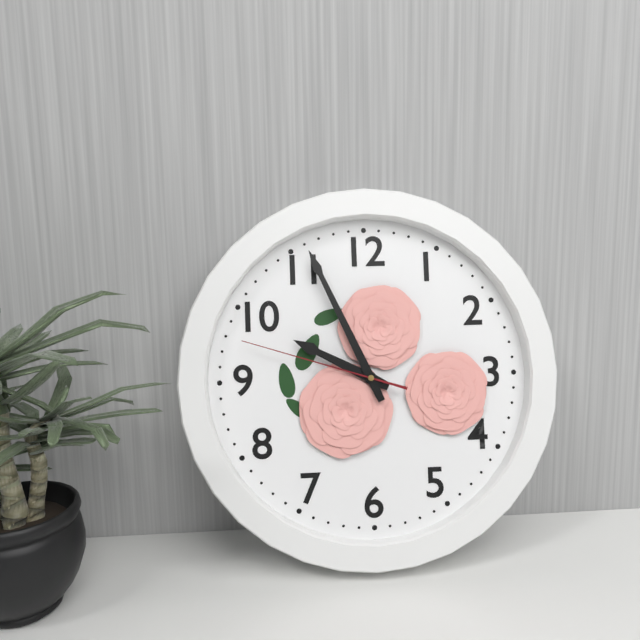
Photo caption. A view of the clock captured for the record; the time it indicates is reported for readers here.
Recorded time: 9:56:48
